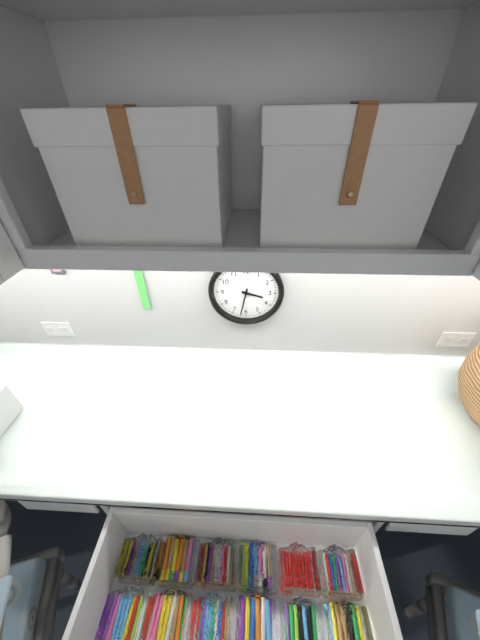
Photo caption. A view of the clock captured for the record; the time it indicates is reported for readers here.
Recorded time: 3:32
